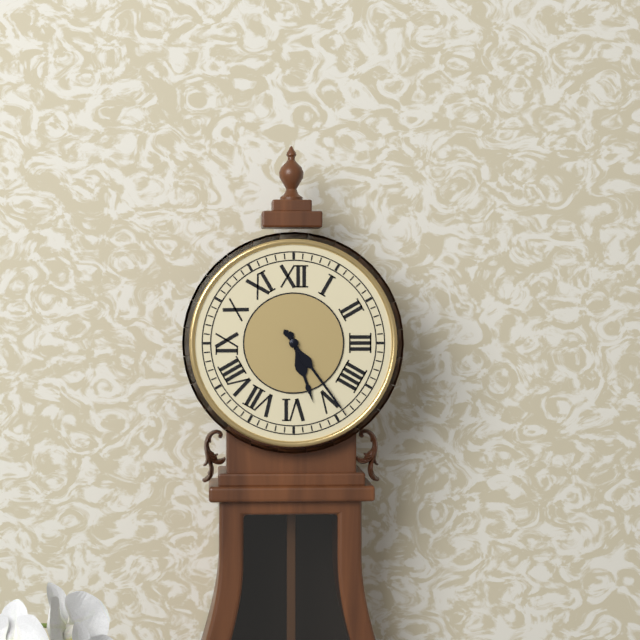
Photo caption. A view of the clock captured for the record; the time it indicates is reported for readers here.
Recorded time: 5:24
